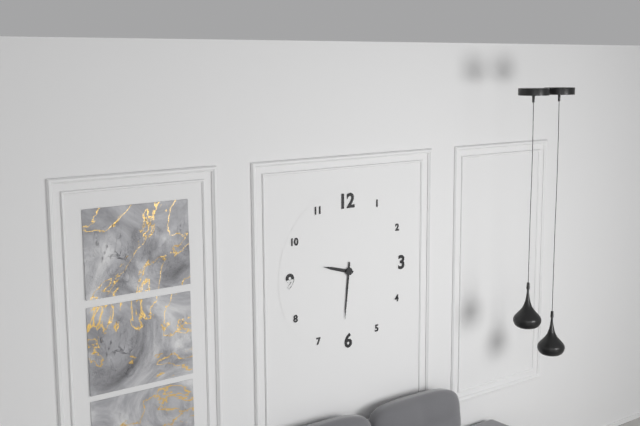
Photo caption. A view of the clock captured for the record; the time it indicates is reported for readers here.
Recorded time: 9:31
